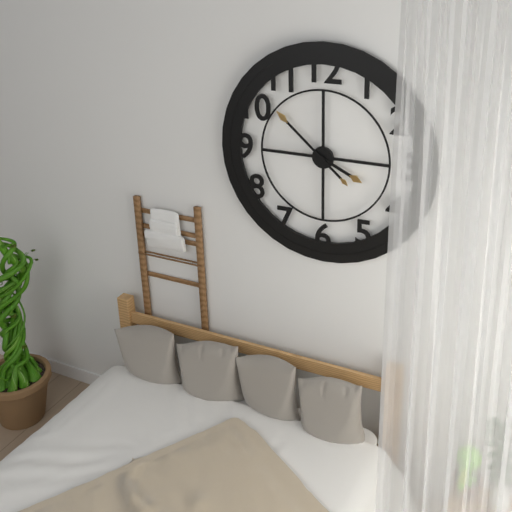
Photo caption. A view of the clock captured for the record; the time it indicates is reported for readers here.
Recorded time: 3:52
